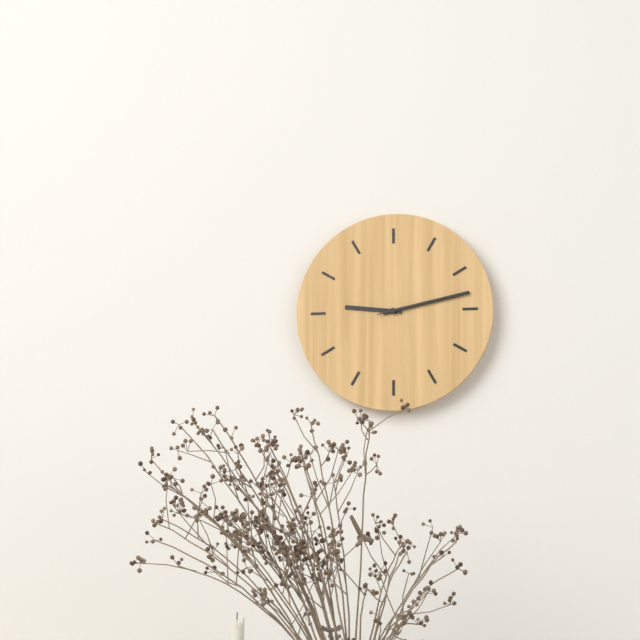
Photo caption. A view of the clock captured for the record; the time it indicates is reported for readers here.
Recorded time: 9:13:13
